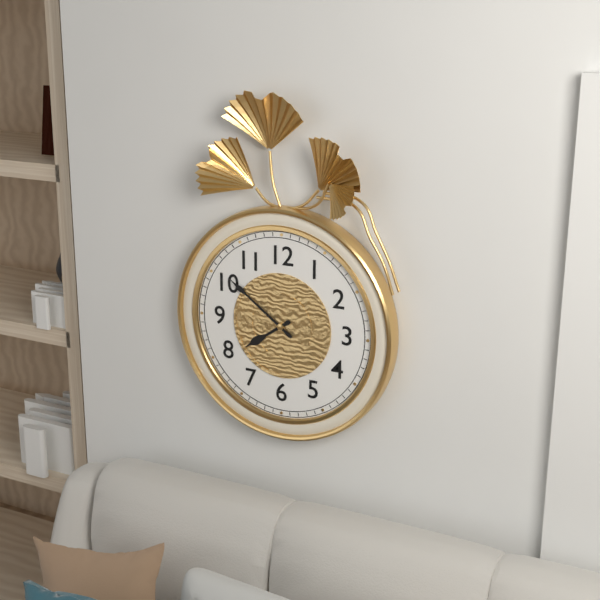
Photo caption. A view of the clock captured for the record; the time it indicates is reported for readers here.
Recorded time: 7:51
